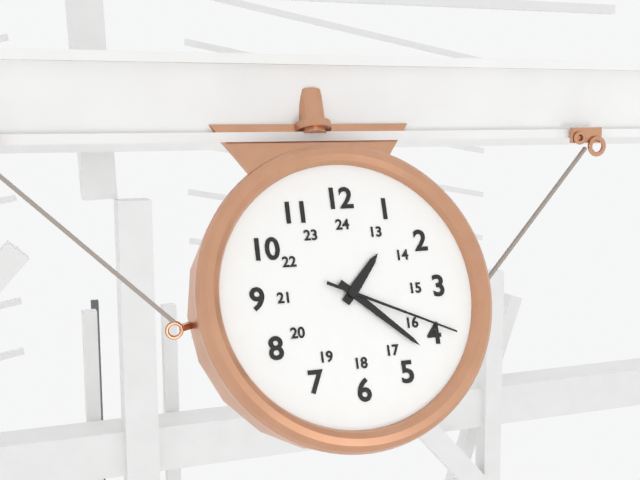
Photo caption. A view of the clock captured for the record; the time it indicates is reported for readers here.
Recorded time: 1:22:19
